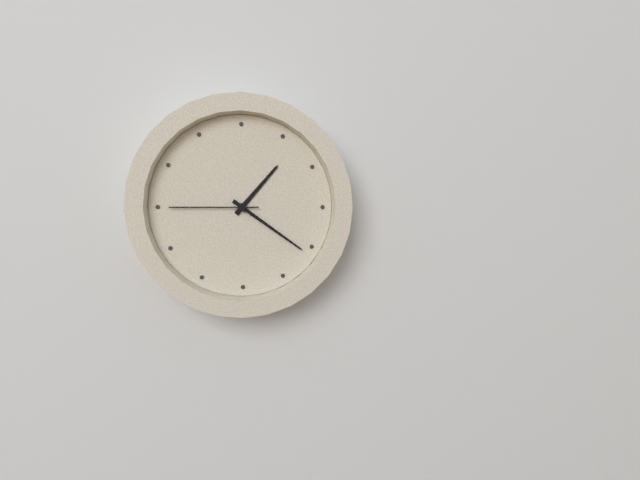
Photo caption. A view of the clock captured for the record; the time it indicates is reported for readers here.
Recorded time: 1:21:45
